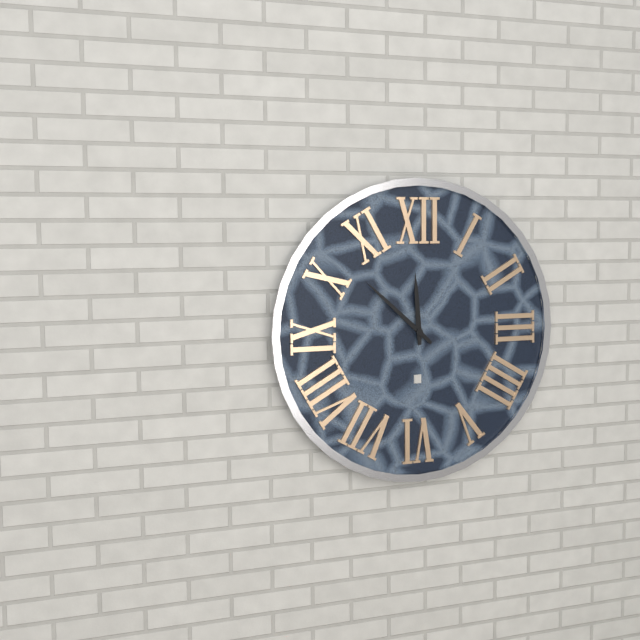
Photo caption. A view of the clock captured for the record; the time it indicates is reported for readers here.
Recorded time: 11:52
